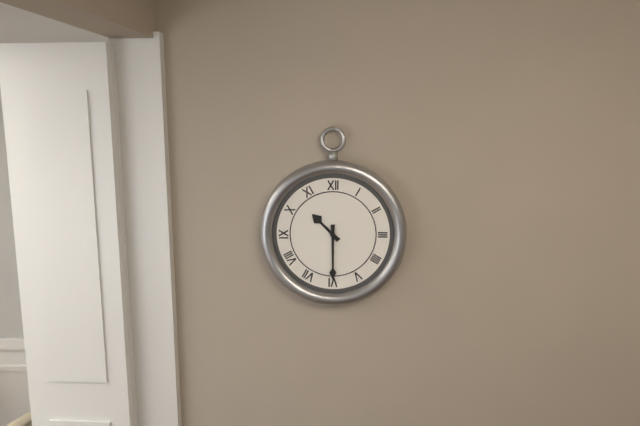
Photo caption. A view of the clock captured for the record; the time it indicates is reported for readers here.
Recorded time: 10:30
